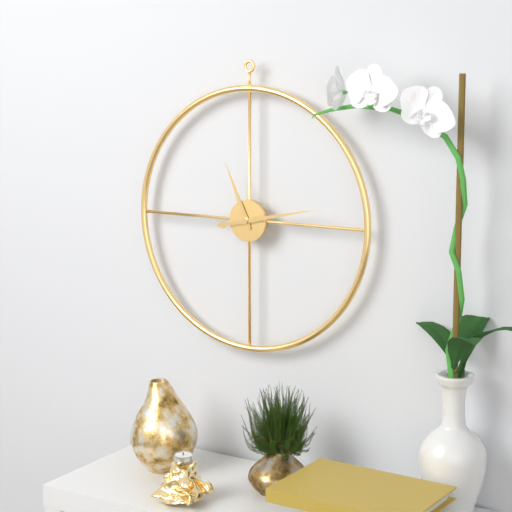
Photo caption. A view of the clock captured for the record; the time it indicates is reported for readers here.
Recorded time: 11:13
